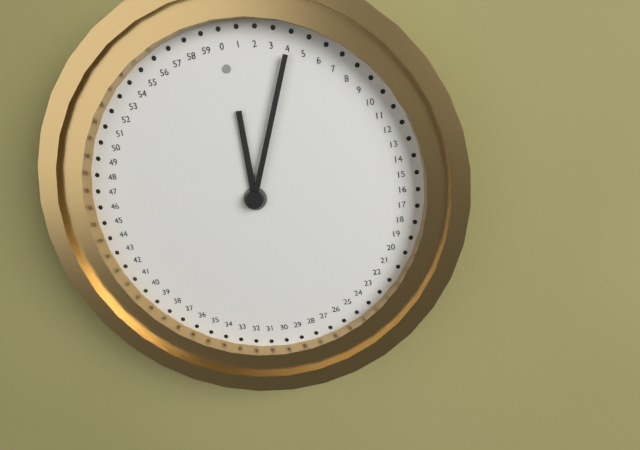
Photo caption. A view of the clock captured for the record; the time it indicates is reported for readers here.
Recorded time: 12:04
